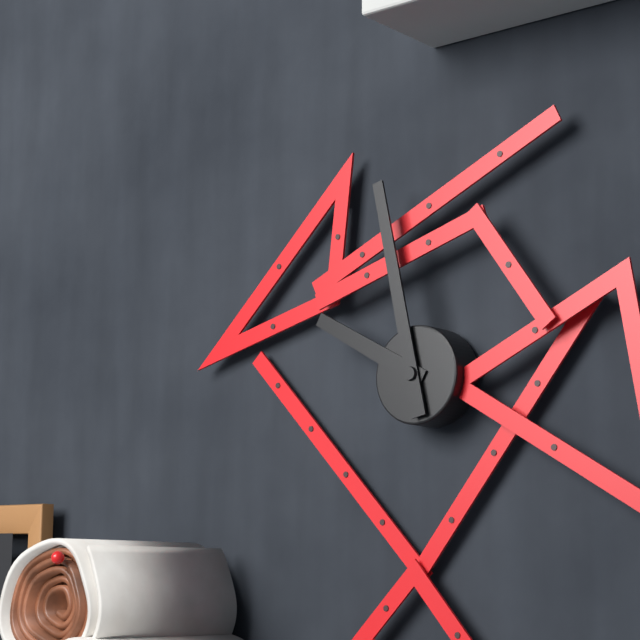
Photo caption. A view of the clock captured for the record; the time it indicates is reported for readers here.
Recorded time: 9:58
